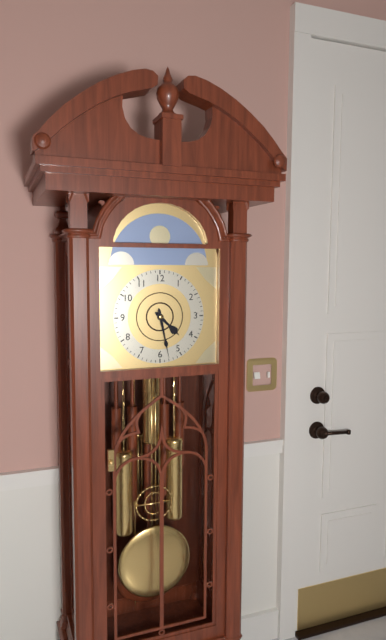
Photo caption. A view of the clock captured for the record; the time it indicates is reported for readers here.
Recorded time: 4:28
